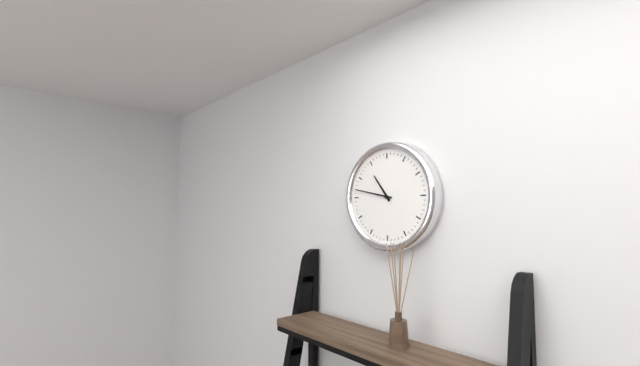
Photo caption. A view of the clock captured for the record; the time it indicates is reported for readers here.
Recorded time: 10:47
